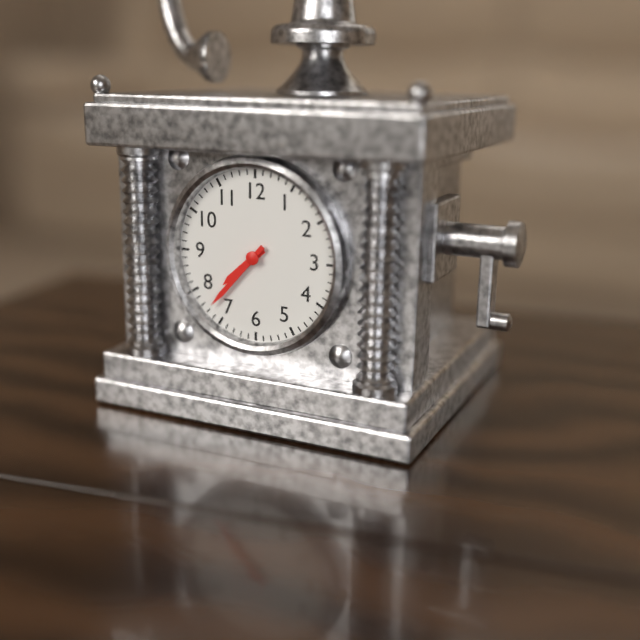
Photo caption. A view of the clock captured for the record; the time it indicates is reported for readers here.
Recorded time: 7:37
